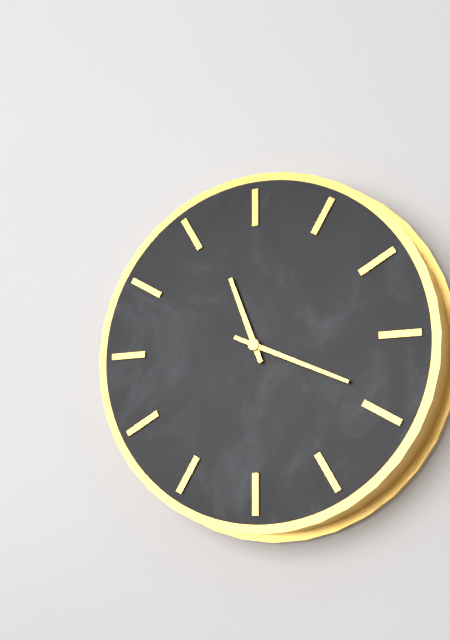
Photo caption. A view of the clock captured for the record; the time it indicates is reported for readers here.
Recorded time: 11:19
